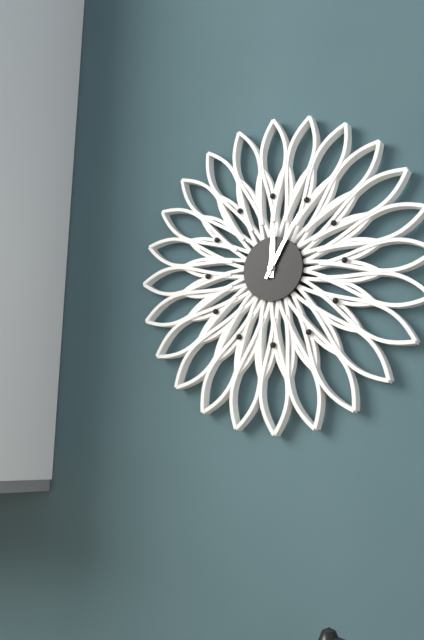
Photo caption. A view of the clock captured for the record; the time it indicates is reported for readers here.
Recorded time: 12:05
